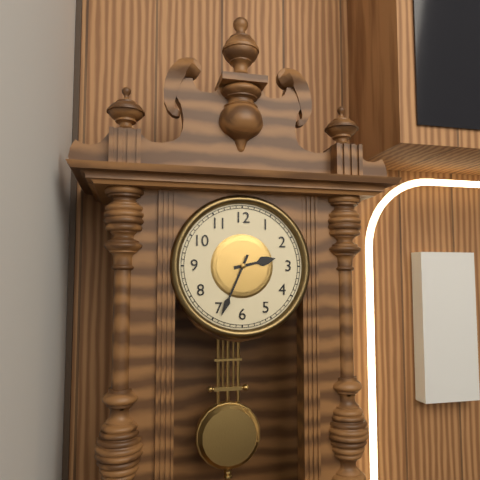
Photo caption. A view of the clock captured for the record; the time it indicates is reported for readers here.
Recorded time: 2:34
